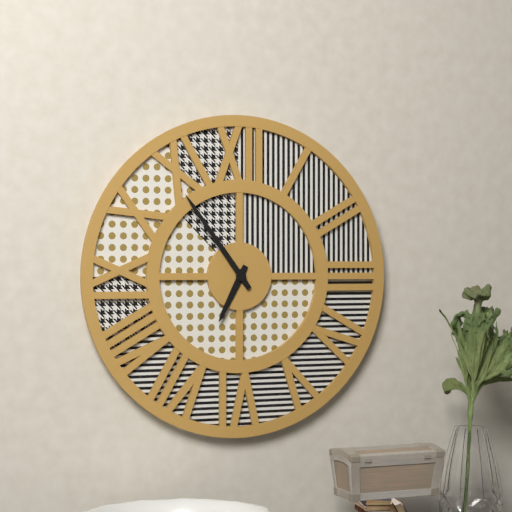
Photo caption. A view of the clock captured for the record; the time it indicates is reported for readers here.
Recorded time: 6:54
